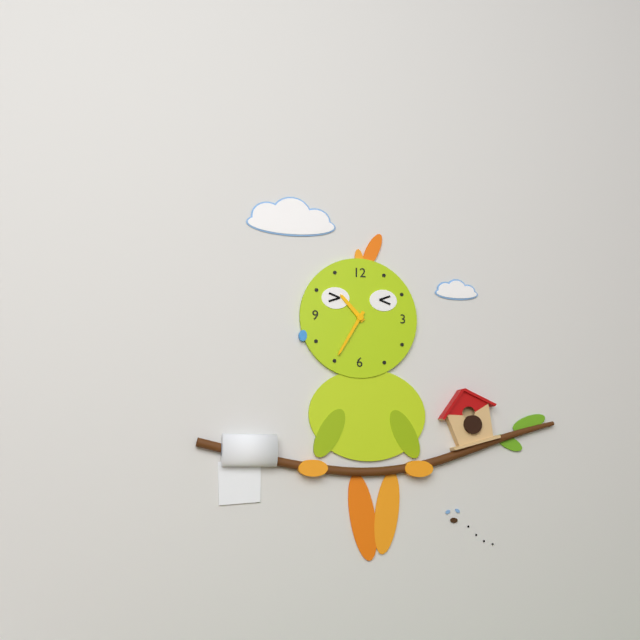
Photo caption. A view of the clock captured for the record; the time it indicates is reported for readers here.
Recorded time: 10:35
